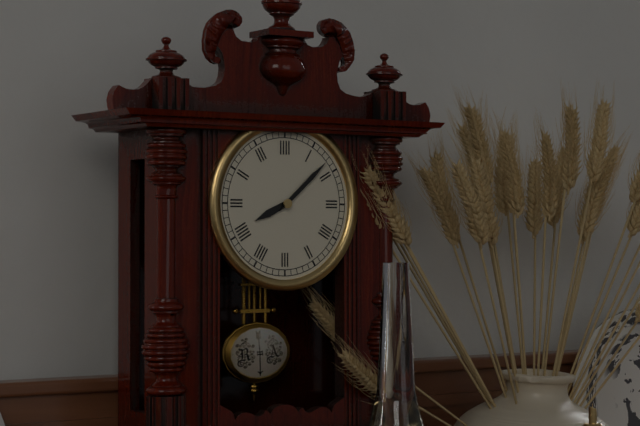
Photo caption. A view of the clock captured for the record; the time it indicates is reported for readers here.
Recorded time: 8:08
